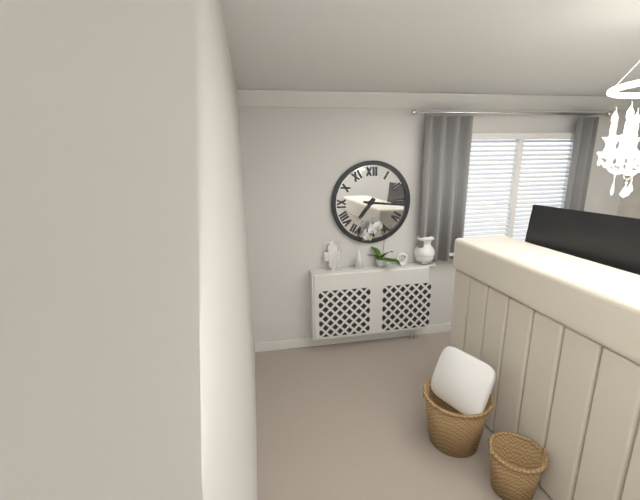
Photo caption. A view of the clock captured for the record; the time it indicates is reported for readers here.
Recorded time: 7:16
